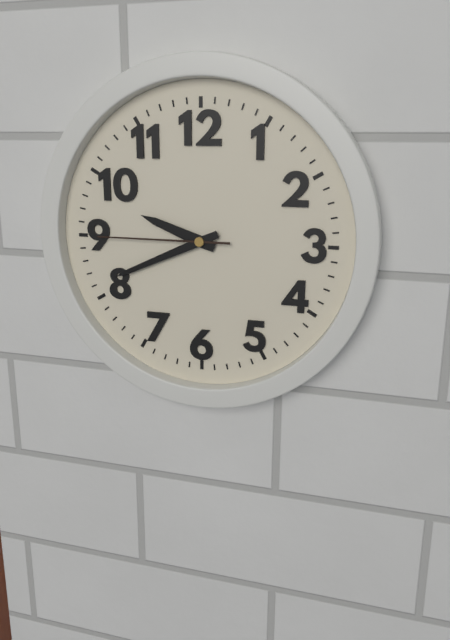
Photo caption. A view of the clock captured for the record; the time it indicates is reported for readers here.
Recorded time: 9:41:45
